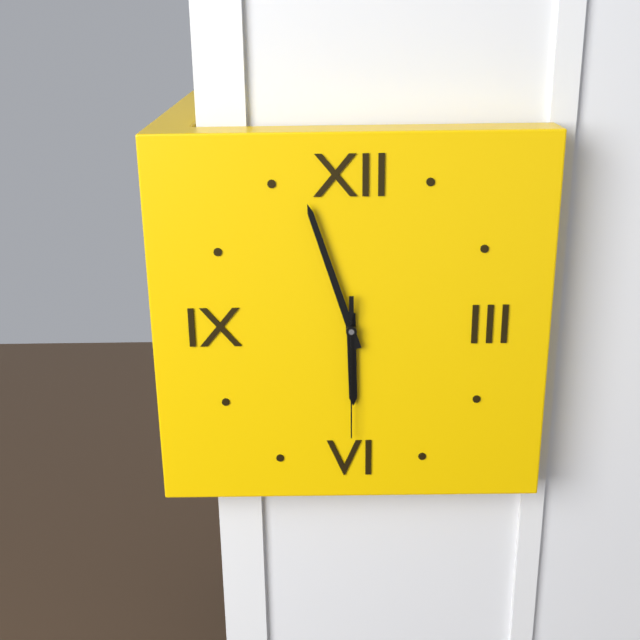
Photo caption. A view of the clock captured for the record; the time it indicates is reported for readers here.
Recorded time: 5:57:30
